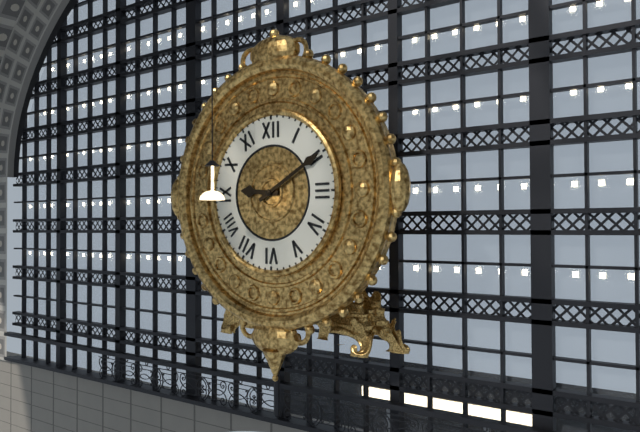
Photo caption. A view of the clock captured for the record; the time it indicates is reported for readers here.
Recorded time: 9:10
